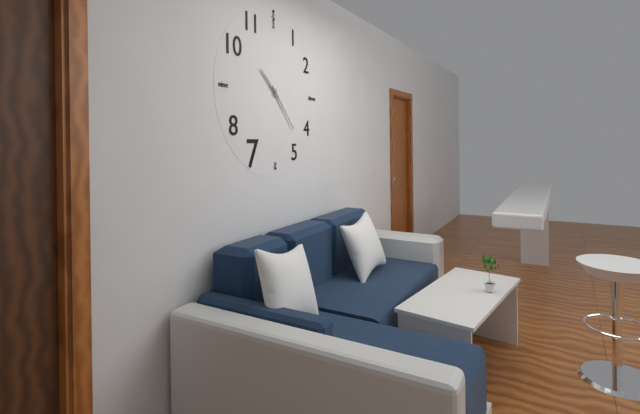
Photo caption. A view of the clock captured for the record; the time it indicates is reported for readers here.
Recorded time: 10:23
